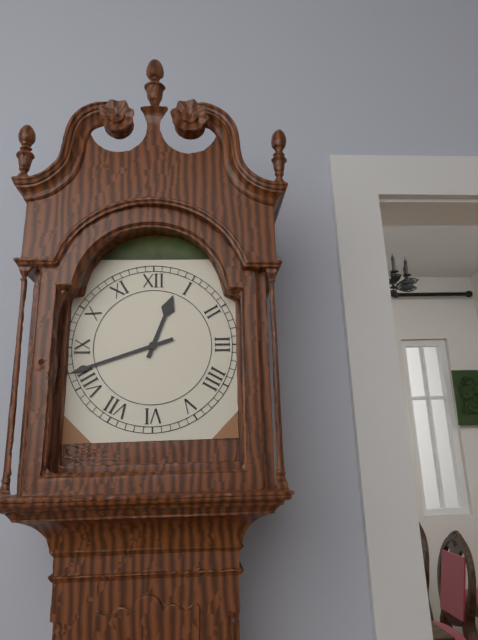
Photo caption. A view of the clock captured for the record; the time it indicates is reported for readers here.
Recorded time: 12:42
